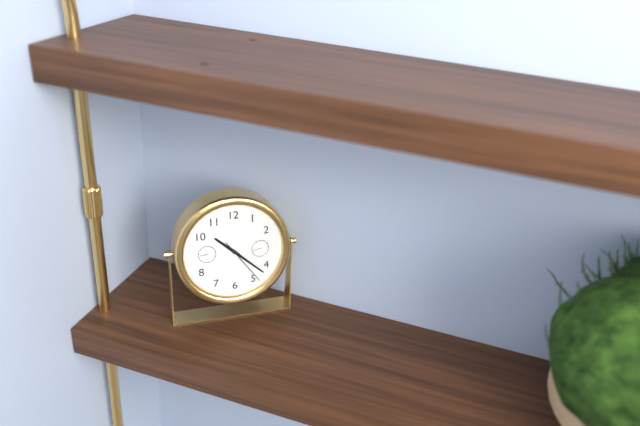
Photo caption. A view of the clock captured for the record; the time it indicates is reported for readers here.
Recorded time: 10:22
